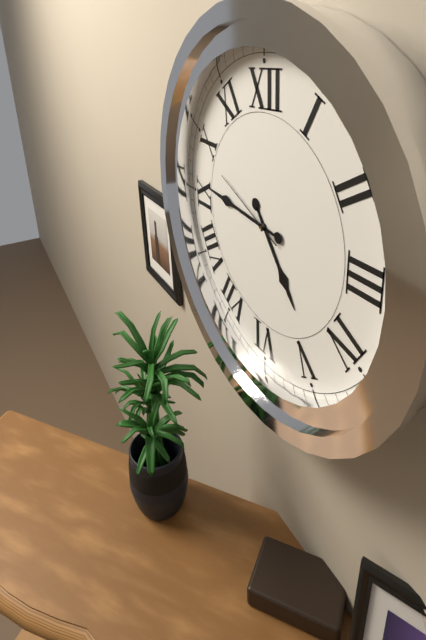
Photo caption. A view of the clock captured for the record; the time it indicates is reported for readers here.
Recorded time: 4:46:49
